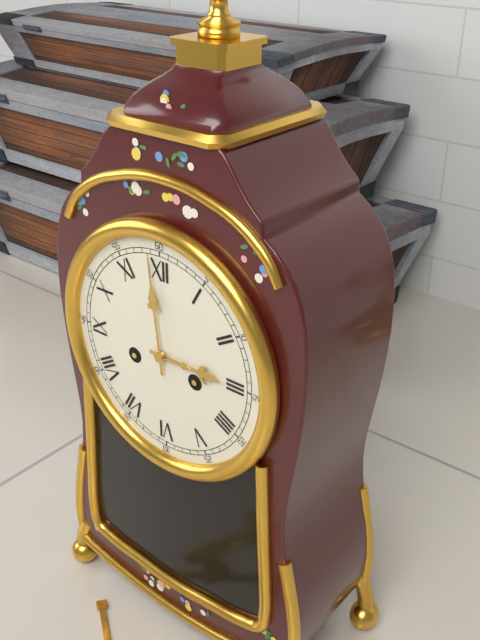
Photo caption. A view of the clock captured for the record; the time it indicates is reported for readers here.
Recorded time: 2:59
